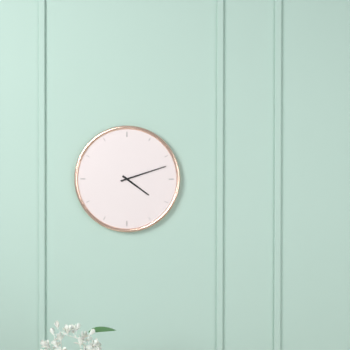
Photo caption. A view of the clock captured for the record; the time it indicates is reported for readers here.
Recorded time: 4:12
